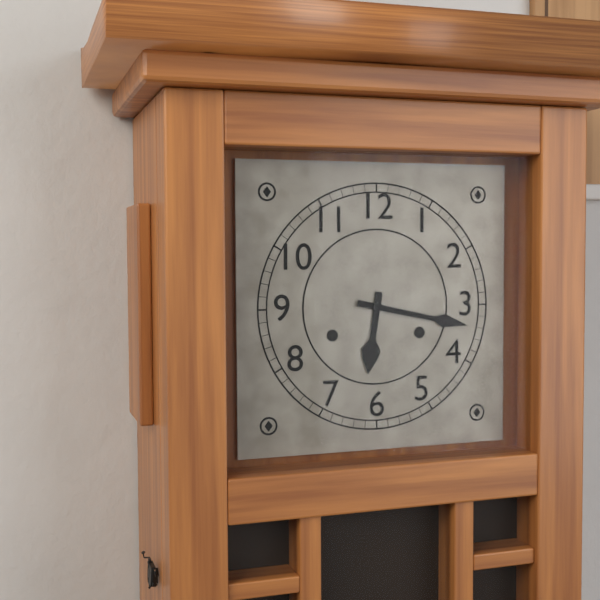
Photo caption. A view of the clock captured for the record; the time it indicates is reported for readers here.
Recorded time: 6:17
